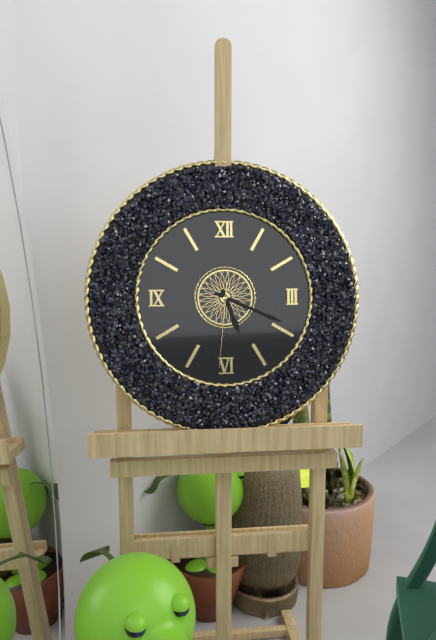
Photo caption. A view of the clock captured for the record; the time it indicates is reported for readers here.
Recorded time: 5:19:31
